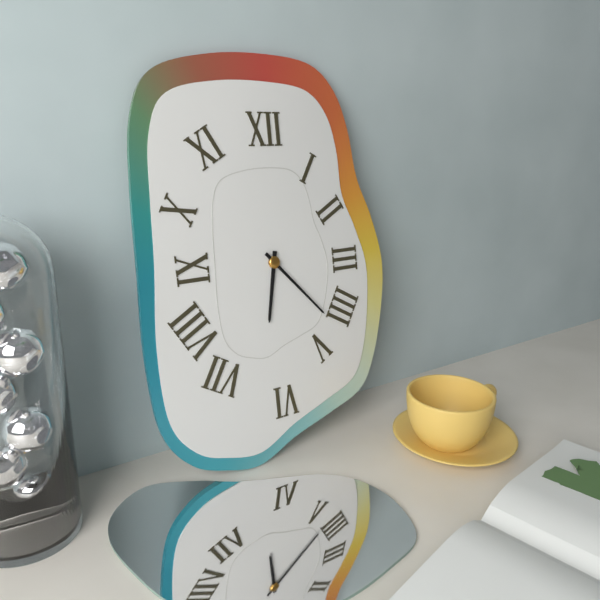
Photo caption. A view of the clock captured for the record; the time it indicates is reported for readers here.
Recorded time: 6:23
